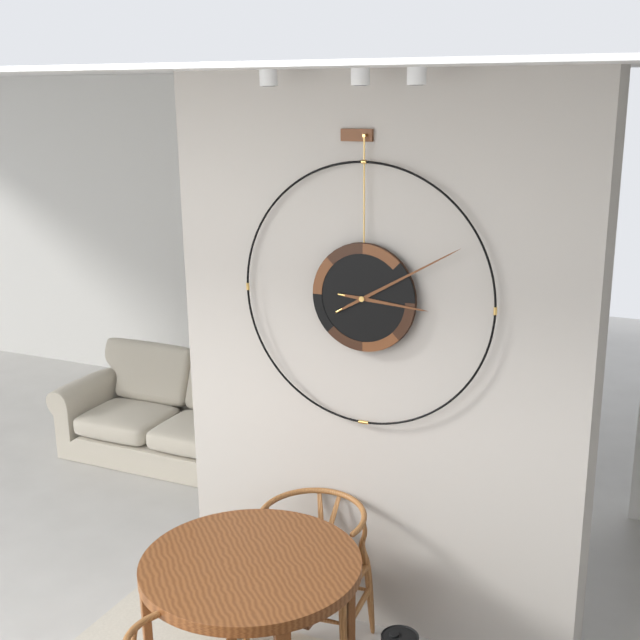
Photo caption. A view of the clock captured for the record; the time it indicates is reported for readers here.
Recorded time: 3:10
